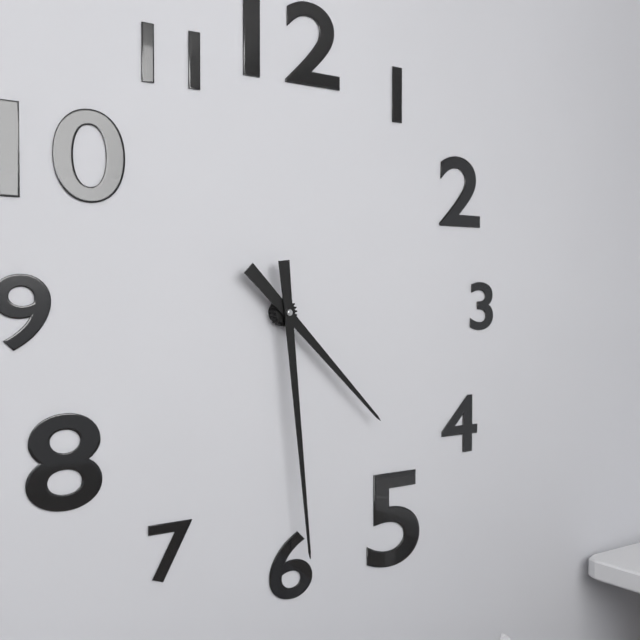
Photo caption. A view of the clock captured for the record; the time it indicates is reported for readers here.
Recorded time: 4:29
